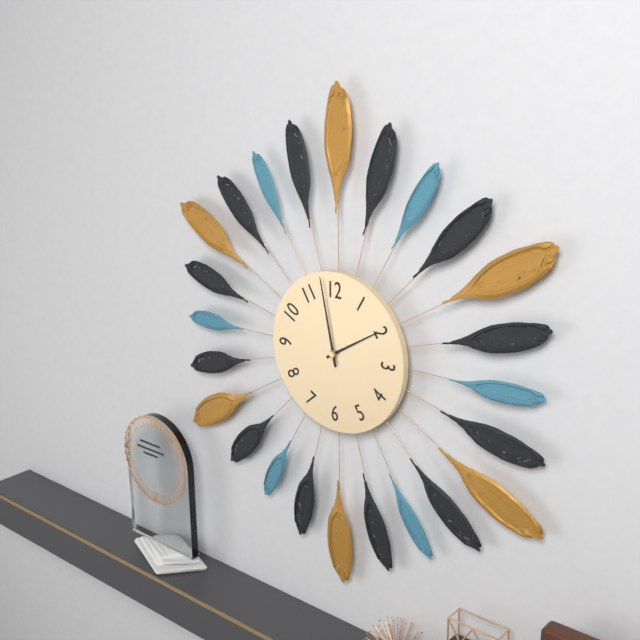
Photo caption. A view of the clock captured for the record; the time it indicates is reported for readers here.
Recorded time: 1:58
